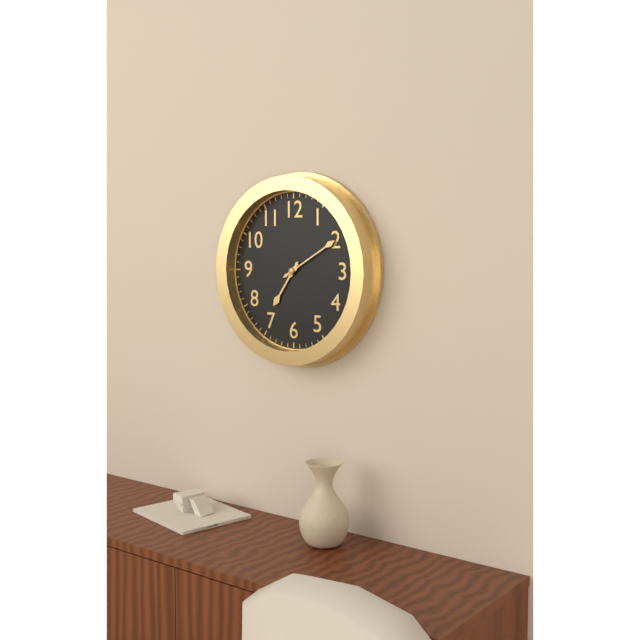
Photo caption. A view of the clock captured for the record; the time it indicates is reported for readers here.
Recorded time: 7:10
